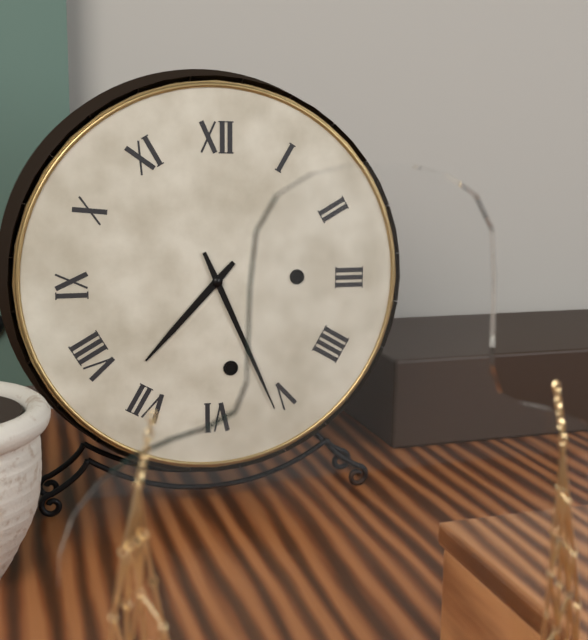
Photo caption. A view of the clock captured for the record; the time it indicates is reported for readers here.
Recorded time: 7:26
